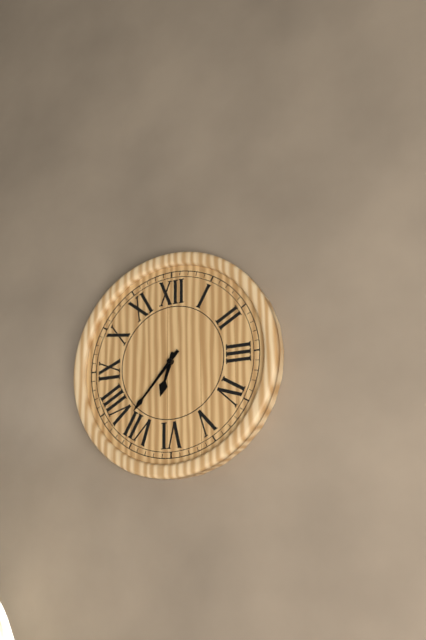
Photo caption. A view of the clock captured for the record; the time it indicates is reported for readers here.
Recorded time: 6:37
